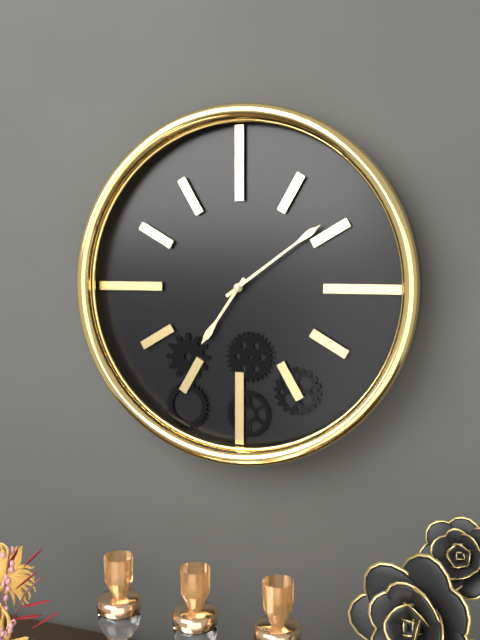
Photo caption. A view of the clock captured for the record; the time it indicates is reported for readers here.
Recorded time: 7:09
